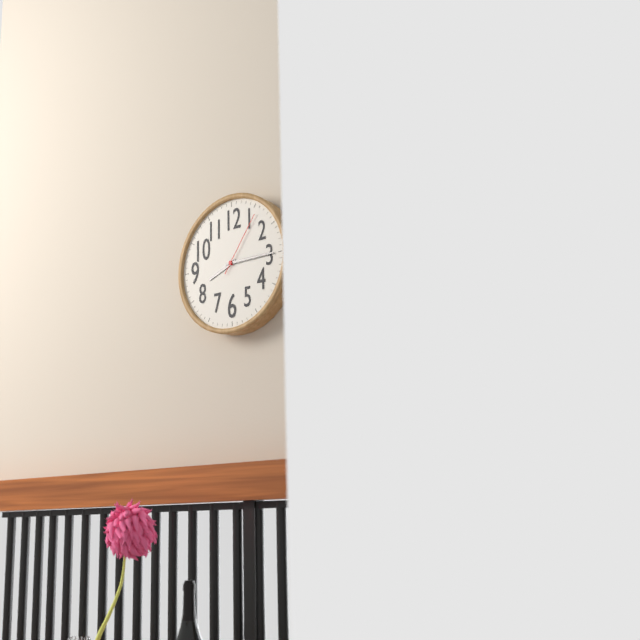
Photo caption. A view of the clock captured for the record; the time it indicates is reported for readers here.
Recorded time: 8:15:06
